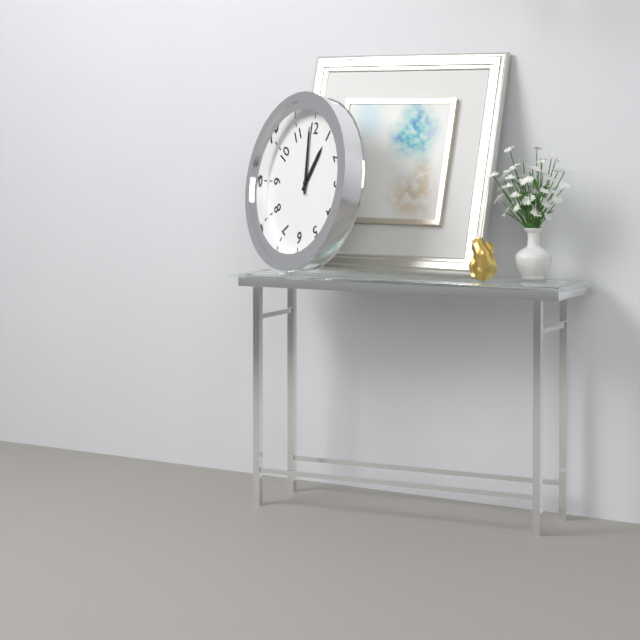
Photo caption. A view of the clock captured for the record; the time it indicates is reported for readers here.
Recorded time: 12:59
